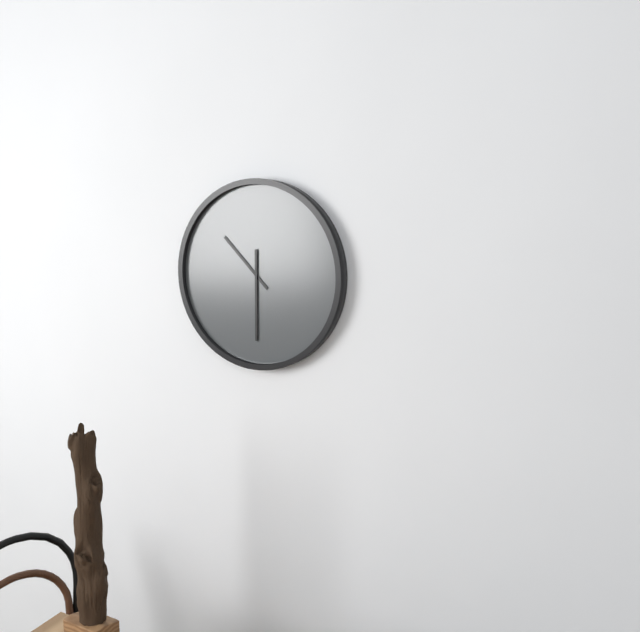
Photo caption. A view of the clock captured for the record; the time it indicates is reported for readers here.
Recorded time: 10:30
